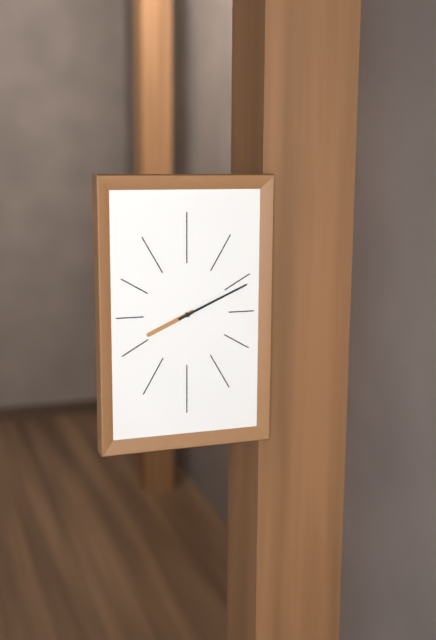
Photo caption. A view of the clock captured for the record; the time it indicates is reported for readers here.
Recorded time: 8:11
